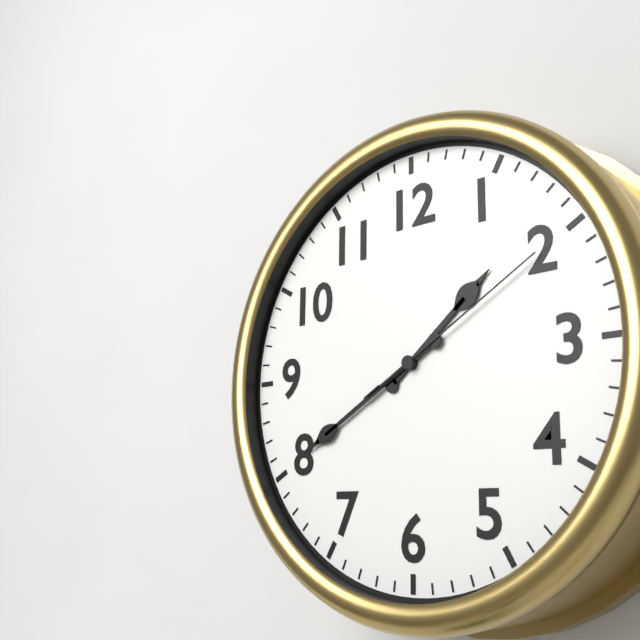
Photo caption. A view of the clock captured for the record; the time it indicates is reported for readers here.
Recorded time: 1:40:10
